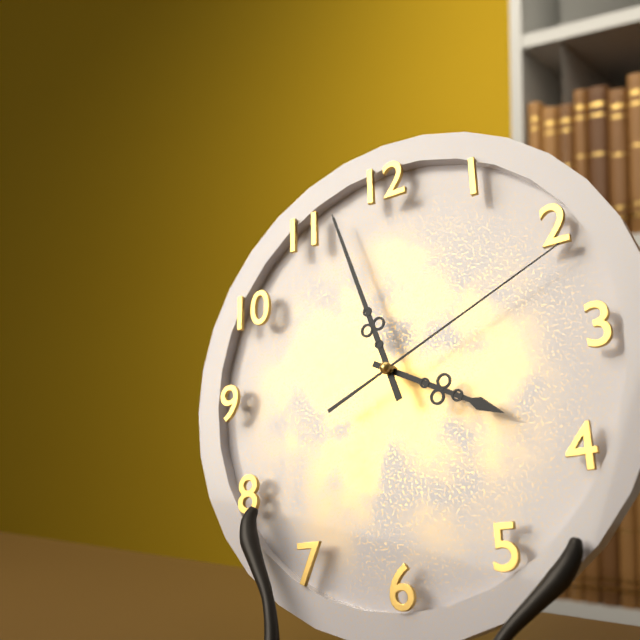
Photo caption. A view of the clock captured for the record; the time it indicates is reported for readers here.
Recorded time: 3:57:11
